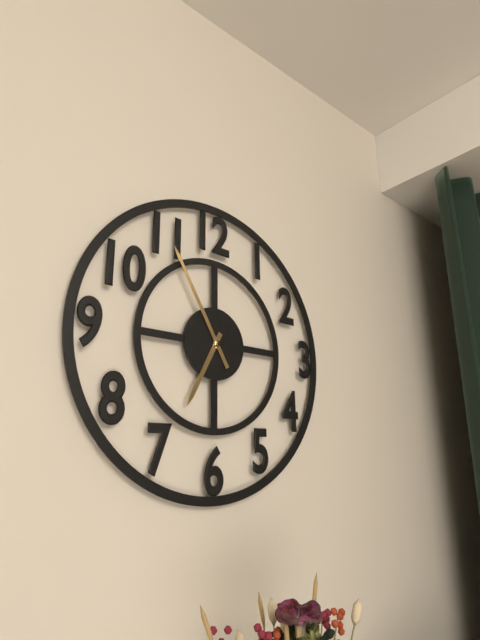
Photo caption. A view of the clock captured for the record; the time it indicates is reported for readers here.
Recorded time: 6:55
